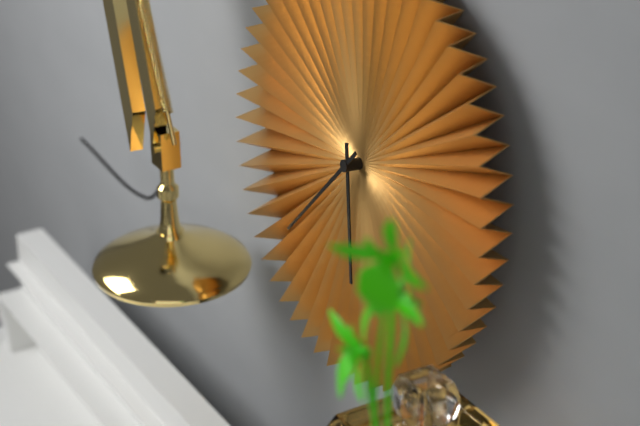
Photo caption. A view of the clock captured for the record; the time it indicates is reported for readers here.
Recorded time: 5:37
